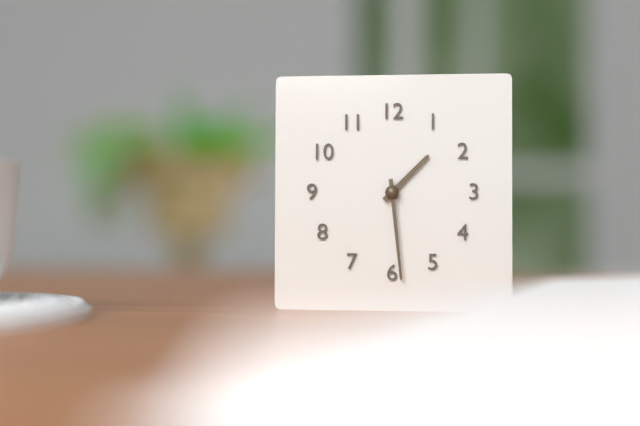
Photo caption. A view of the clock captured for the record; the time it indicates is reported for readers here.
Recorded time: 1:29
